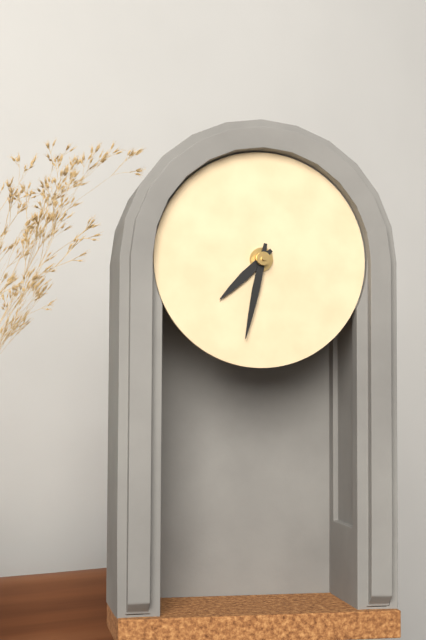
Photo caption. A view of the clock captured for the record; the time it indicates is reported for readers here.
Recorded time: 7:32
